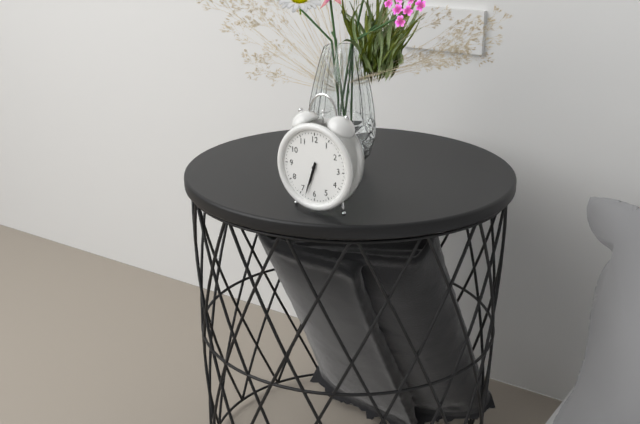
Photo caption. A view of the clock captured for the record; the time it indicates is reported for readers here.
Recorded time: 6:33
